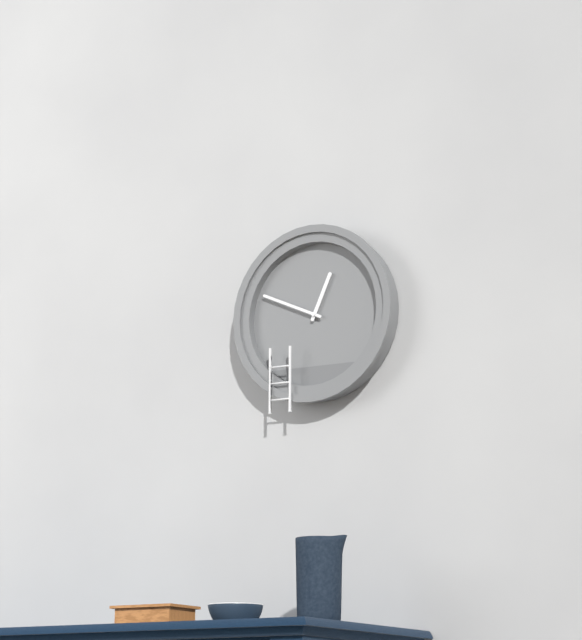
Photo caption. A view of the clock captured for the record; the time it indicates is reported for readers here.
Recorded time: 12:49
